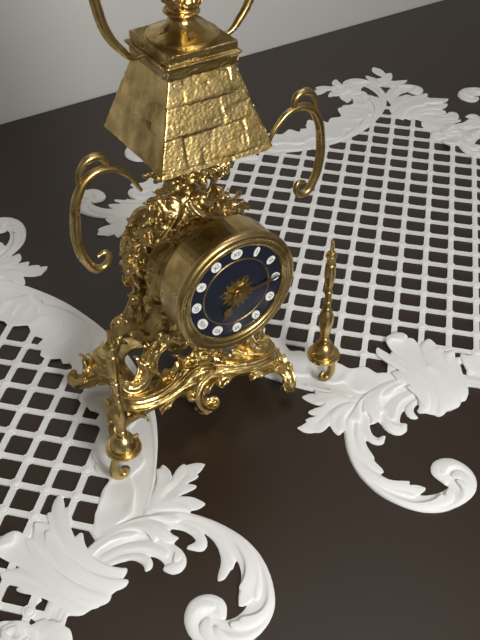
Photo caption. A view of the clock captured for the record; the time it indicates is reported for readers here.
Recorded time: 7:14
